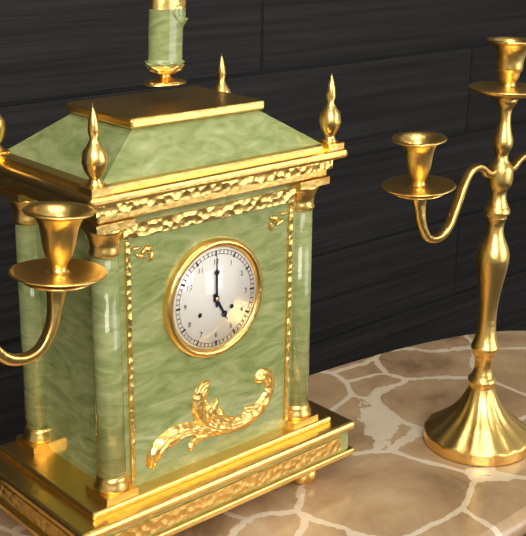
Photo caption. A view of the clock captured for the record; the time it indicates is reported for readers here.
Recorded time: 5:00
